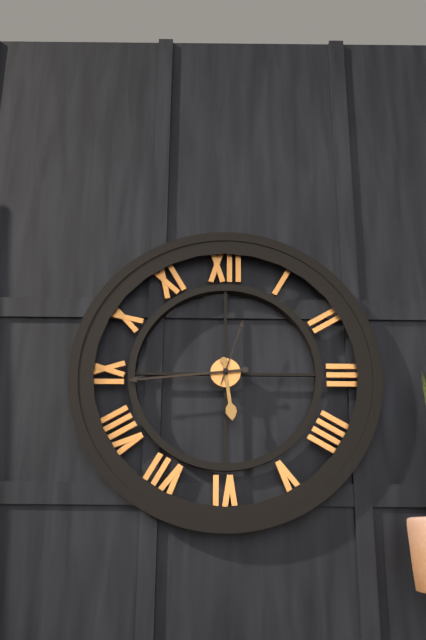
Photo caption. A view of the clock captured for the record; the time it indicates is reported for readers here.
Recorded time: 5:44:03
